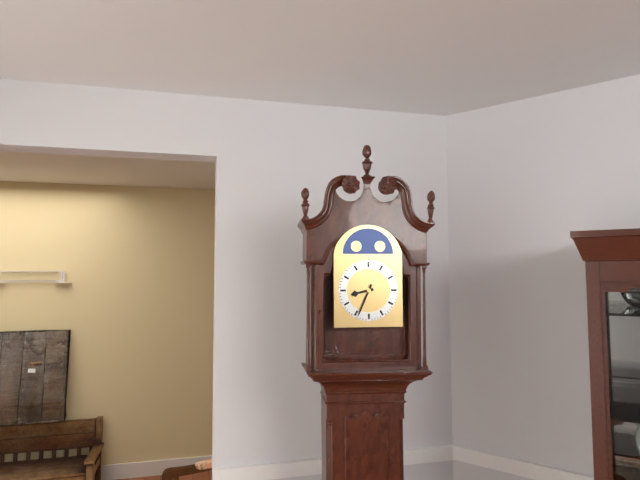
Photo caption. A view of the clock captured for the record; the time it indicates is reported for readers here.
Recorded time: 8:34
